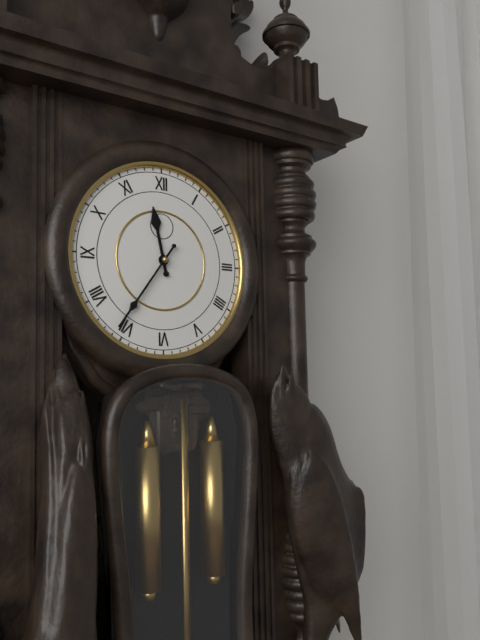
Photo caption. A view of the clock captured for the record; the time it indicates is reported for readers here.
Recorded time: 11:36
